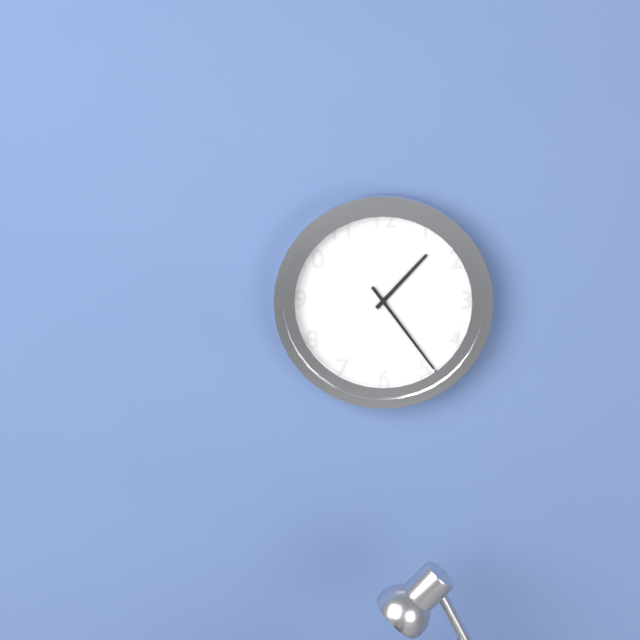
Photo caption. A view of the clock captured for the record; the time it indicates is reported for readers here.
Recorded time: 1:24
